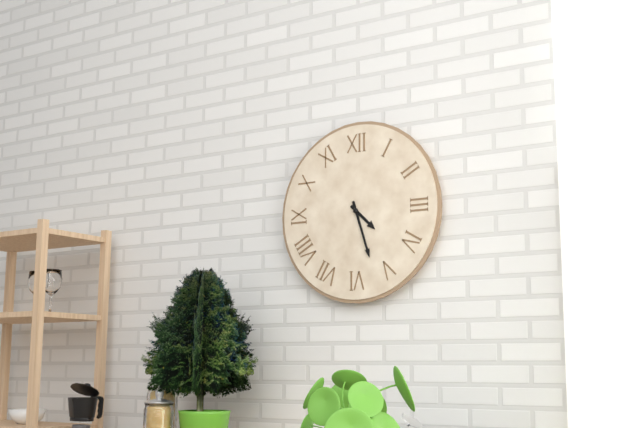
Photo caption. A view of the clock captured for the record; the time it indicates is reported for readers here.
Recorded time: 4:27
